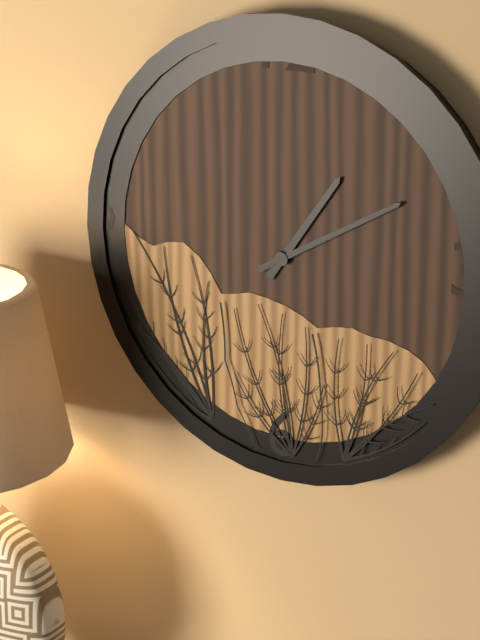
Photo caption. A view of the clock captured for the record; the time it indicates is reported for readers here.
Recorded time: 1:10
